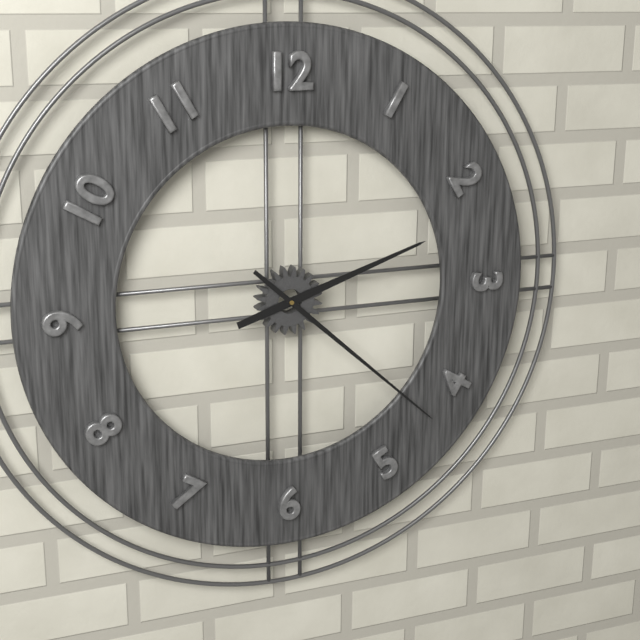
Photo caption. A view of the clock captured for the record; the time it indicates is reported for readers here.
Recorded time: 2:22
